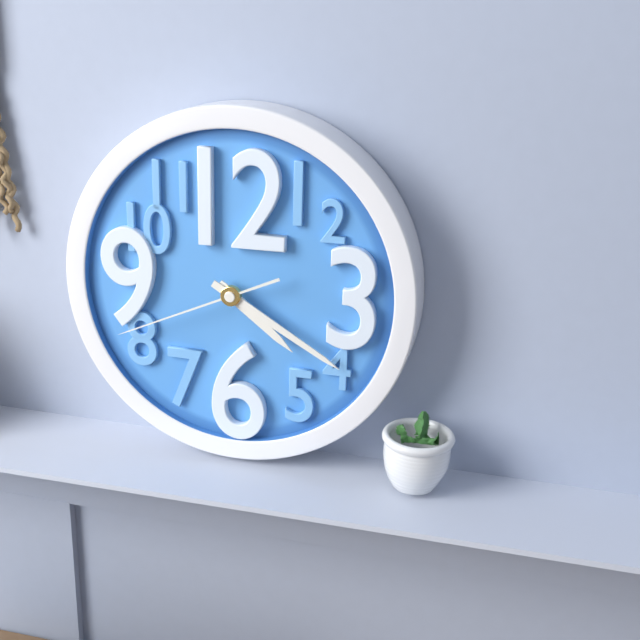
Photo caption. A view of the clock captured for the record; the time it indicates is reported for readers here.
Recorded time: 4:20:41
